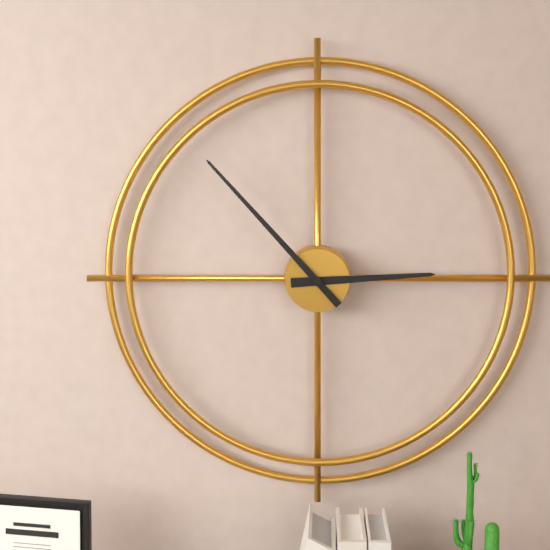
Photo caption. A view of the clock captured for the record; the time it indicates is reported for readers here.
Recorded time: 2:53
